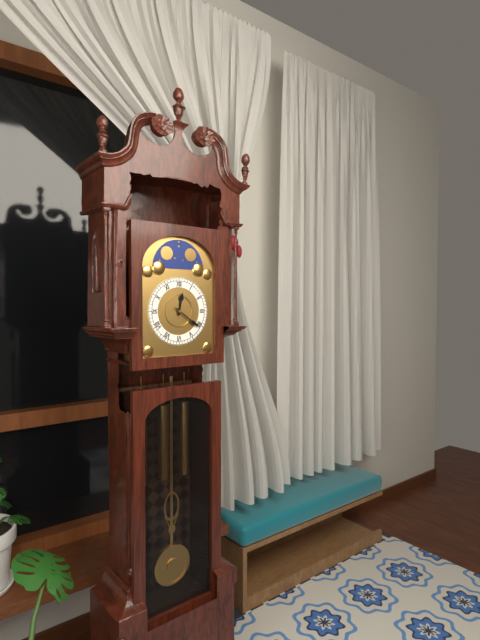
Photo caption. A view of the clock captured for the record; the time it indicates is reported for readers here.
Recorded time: 12:21
